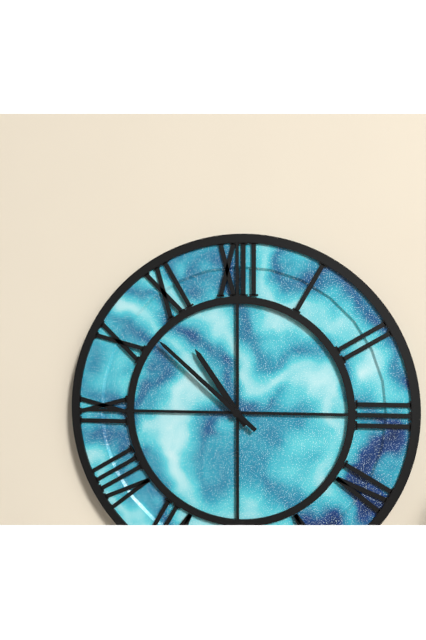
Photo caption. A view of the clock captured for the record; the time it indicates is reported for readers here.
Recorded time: 10:52
